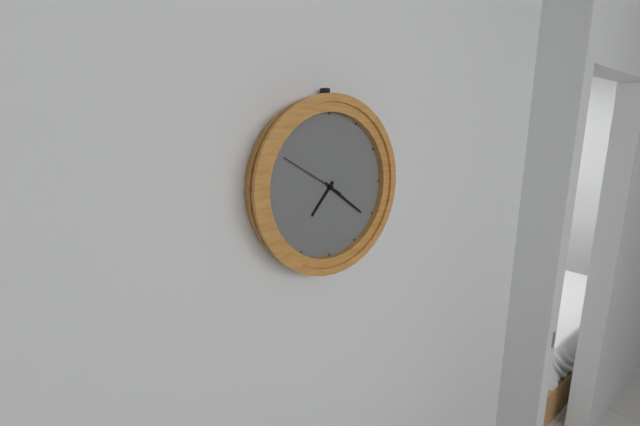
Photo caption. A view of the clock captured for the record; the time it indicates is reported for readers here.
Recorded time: 7:21:50
